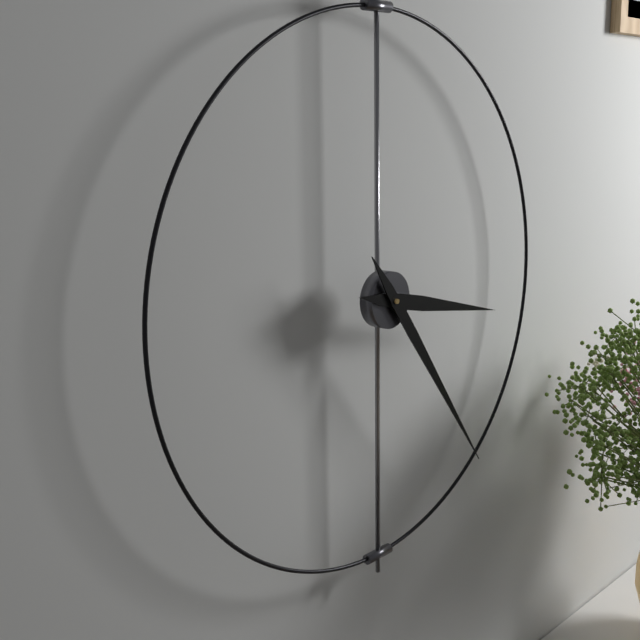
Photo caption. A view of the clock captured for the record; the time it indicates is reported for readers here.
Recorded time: 3:24
